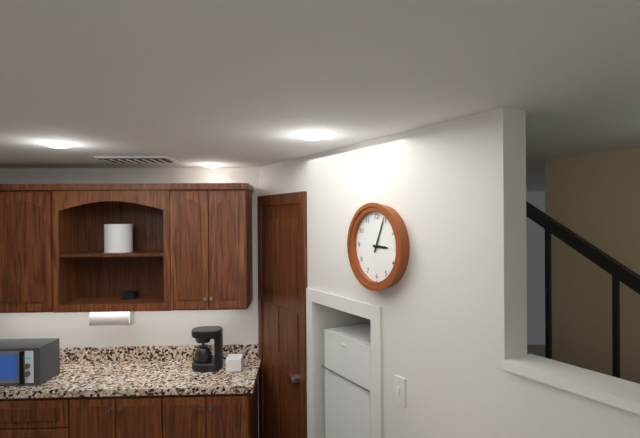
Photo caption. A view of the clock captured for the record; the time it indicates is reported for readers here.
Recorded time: 3:04
